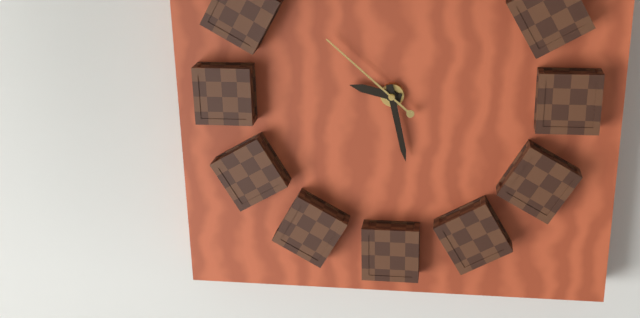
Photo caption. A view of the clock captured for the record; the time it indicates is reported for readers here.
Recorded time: 9:28:52
